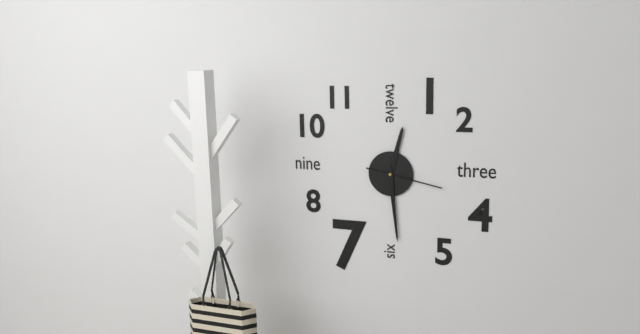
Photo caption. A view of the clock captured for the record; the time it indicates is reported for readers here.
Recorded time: 12:29:17
